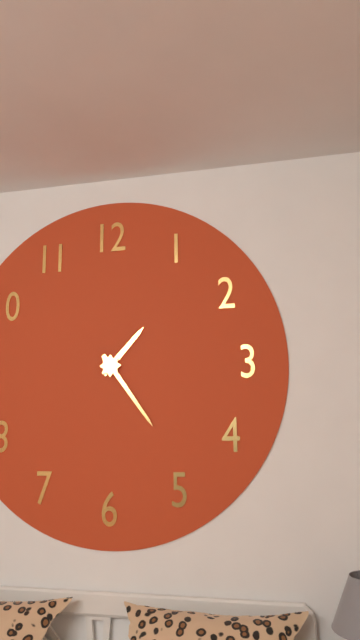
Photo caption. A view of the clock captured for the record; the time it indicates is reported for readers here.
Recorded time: 1:24
